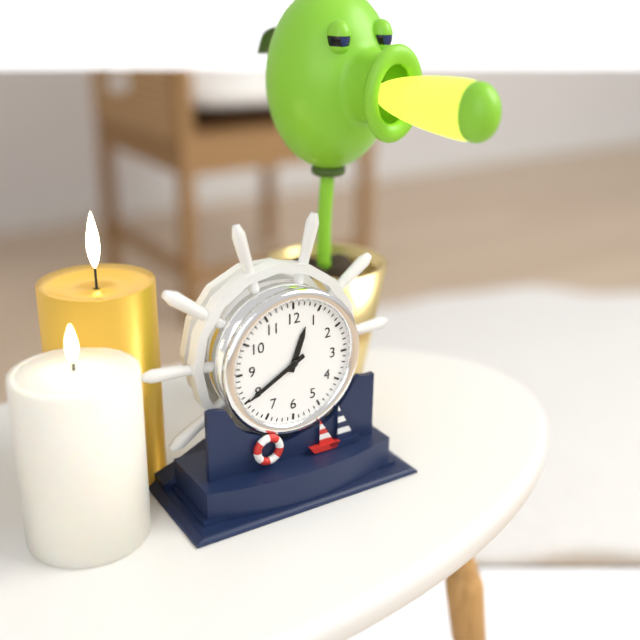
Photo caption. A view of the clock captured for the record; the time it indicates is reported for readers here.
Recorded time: 12:40
